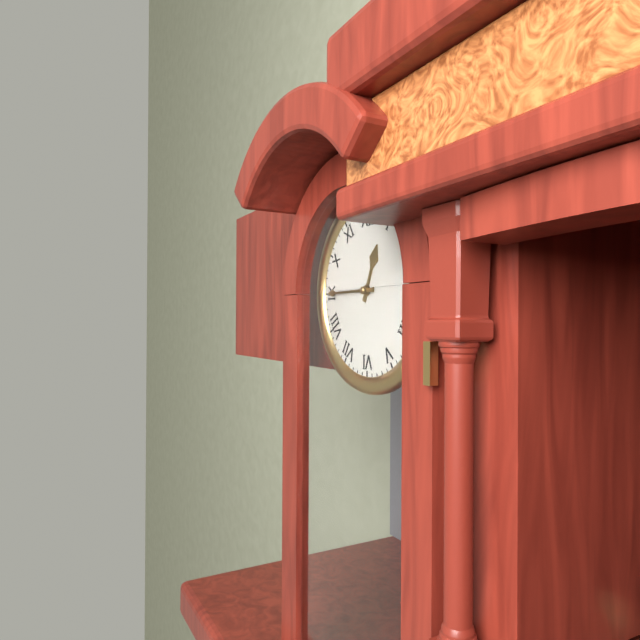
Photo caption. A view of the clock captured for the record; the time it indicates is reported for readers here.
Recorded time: 12:45
